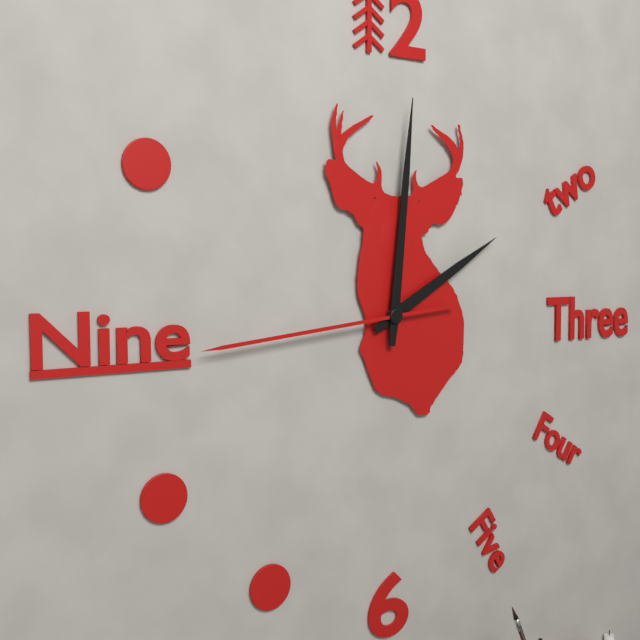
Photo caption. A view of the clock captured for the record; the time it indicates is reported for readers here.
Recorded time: 2:01:44
